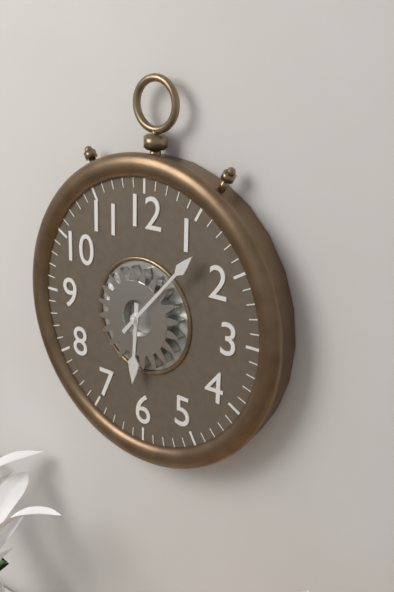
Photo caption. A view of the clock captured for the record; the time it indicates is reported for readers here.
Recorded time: 6:07
